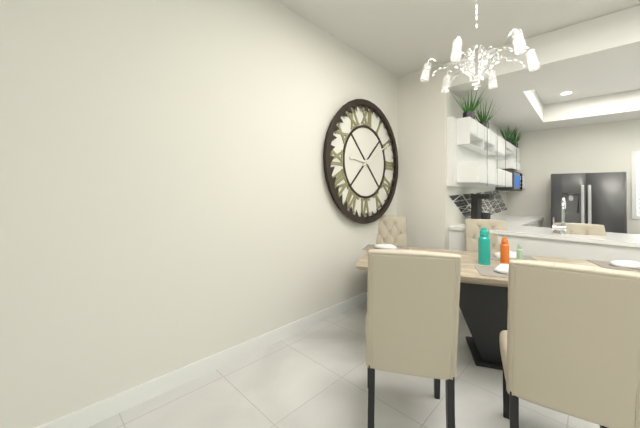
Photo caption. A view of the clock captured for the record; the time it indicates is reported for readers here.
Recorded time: 9:10
